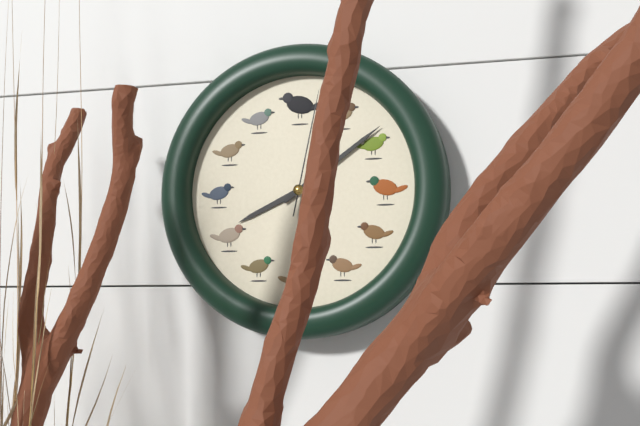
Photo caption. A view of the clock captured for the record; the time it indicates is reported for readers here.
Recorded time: 8:09:02
